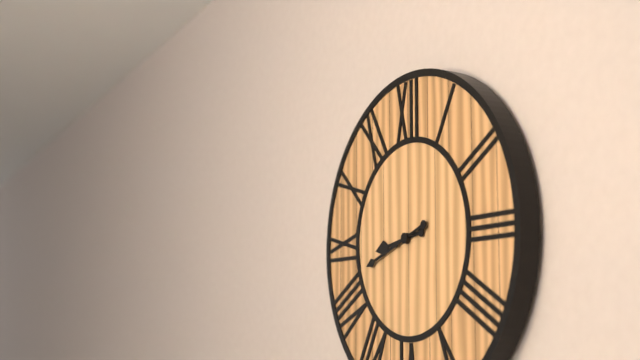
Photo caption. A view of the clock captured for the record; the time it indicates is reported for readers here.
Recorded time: 8:42
